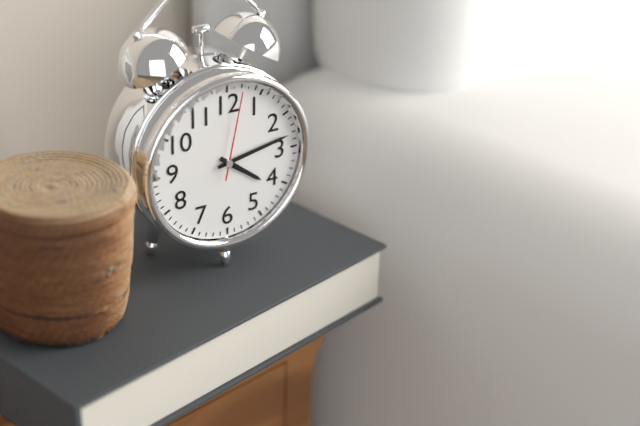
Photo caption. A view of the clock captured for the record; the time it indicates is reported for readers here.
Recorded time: 4:13:02
